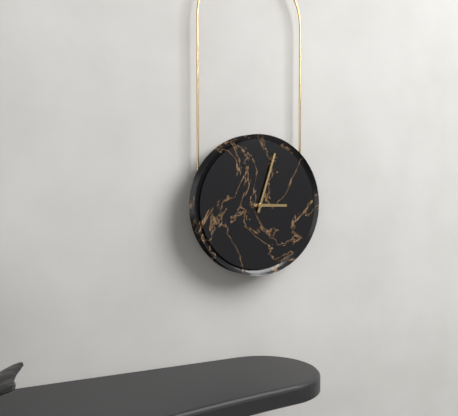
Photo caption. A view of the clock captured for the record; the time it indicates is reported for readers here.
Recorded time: 3:03
